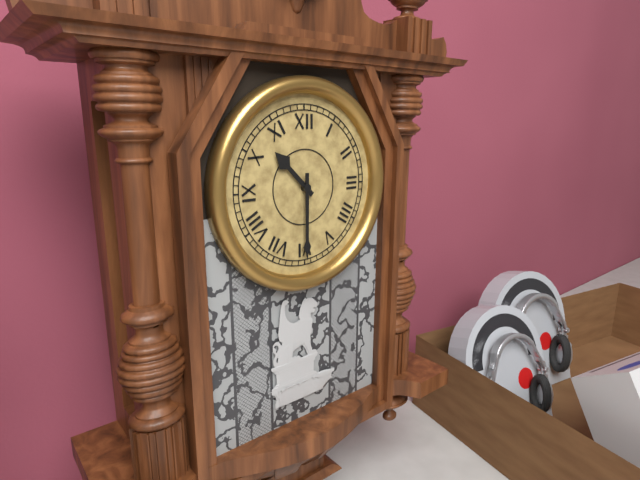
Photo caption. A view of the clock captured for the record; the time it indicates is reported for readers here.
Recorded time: 10:30
